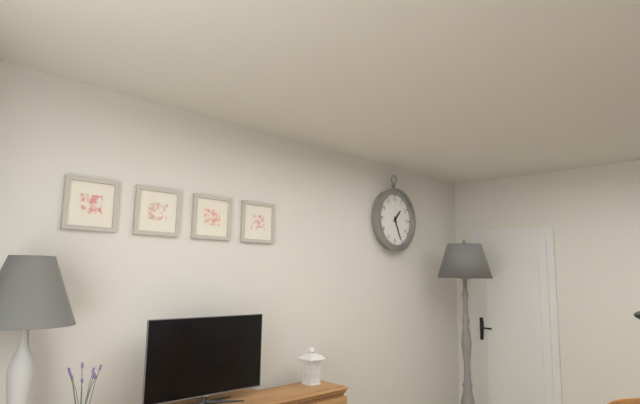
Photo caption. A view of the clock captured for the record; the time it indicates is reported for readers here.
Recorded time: 1:26
